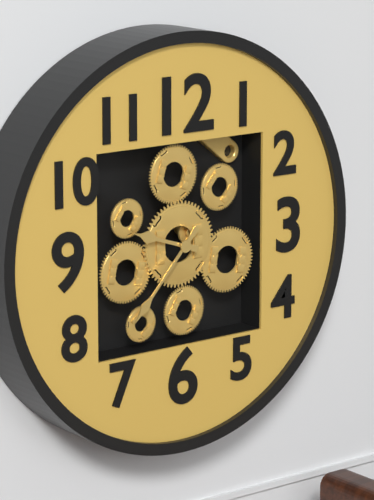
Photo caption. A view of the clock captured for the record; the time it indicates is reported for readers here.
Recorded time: 9:37
